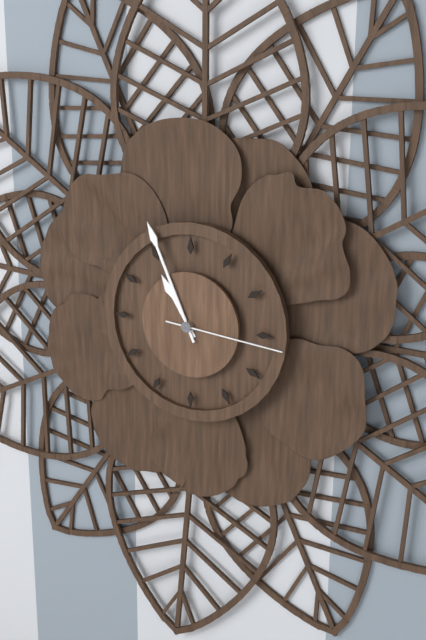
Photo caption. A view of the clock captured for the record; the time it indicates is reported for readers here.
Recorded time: 10:56:16
